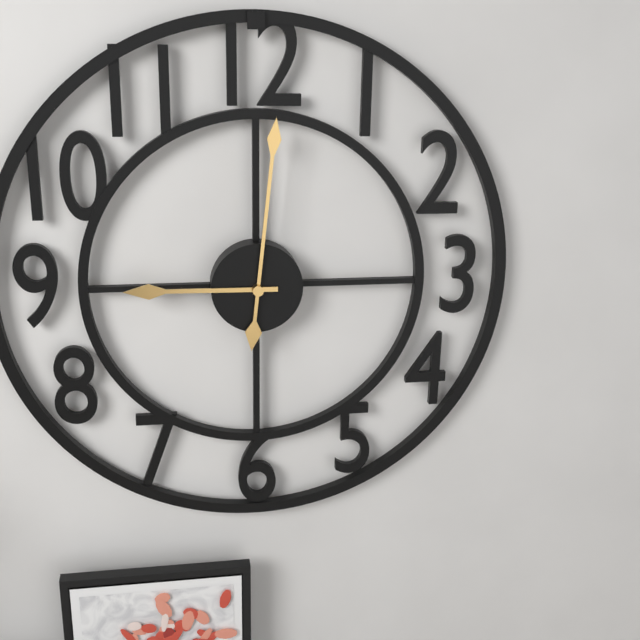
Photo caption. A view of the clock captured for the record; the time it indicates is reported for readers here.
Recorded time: 9:01
